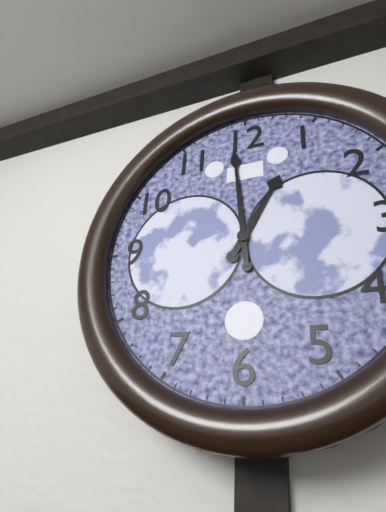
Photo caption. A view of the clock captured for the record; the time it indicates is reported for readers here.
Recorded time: 12:59
